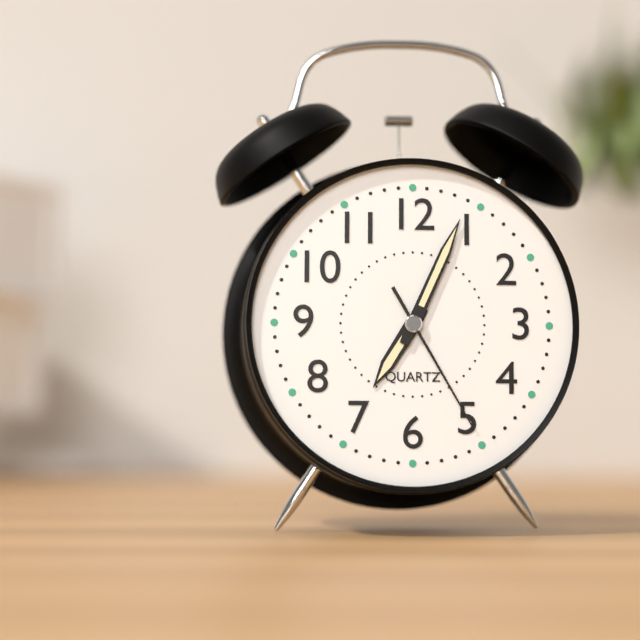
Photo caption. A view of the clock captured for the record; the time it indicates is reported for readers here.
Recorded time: 7:04:25
